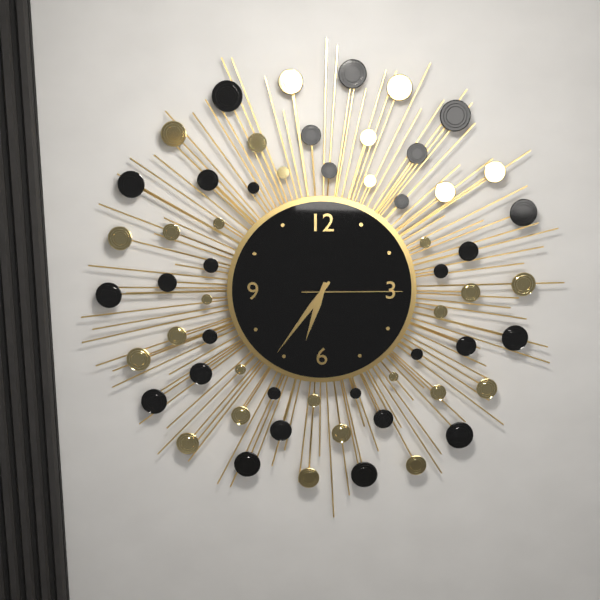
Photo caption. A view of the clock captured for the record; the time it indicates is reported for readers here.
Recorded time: 6:36:15
